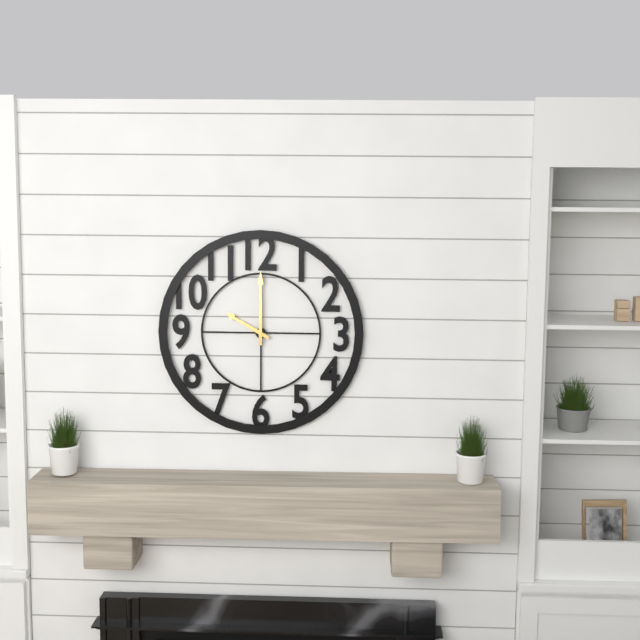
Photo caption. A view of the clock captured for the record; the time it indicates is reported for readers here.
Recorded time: 10:00
